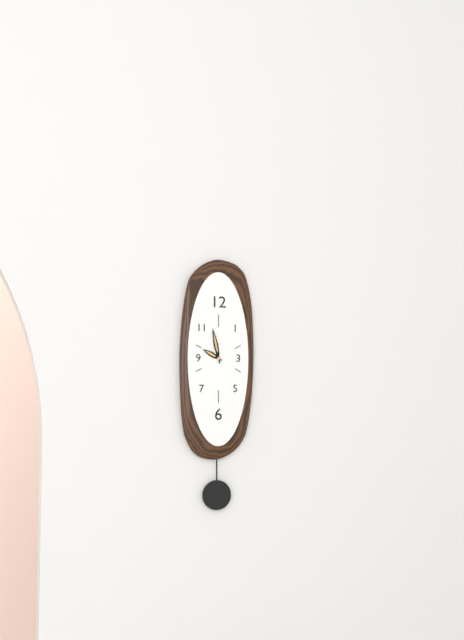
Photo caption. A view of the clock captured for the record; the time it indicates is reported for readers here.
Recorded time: 9:58
